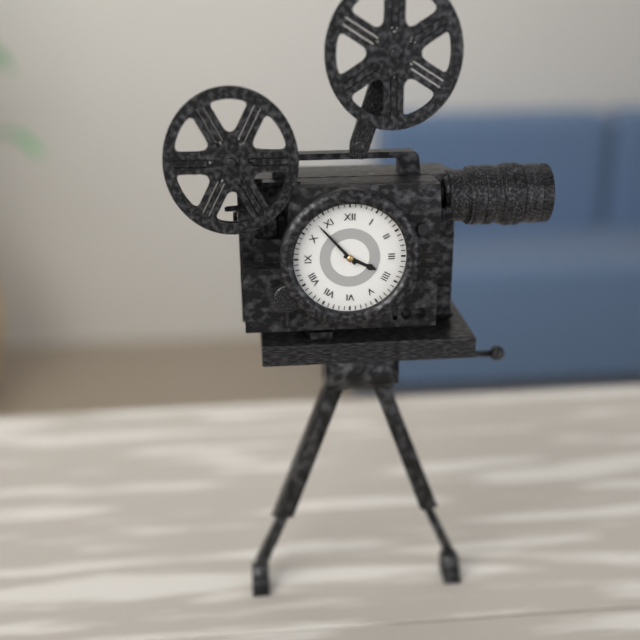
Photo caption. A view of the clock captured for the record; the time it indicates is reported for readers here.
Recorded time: 3:53
